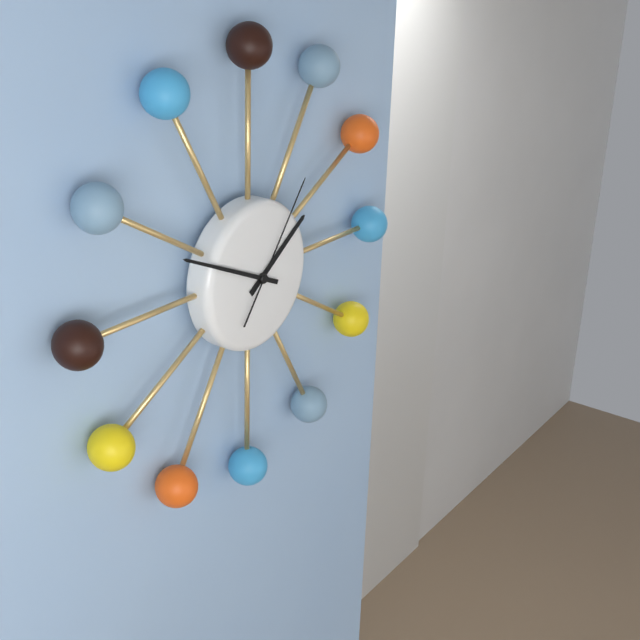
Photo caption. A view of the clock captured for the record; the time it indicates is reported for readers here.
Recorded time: 1:49:06
